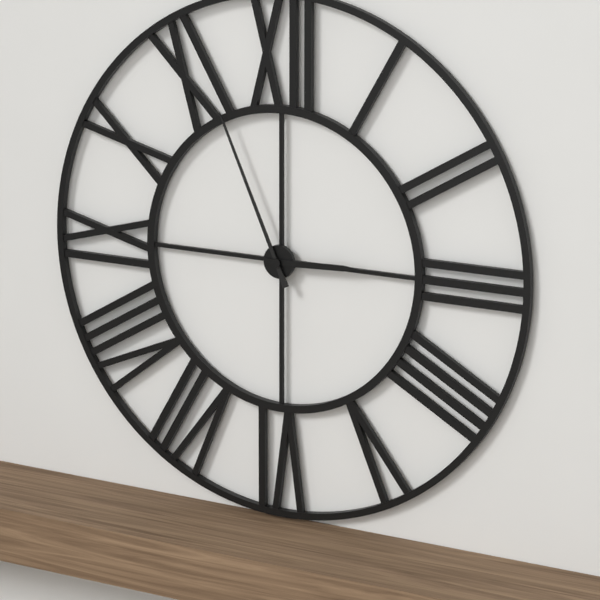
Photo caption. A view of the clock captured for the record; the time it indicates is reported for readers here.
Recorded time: 2:56
